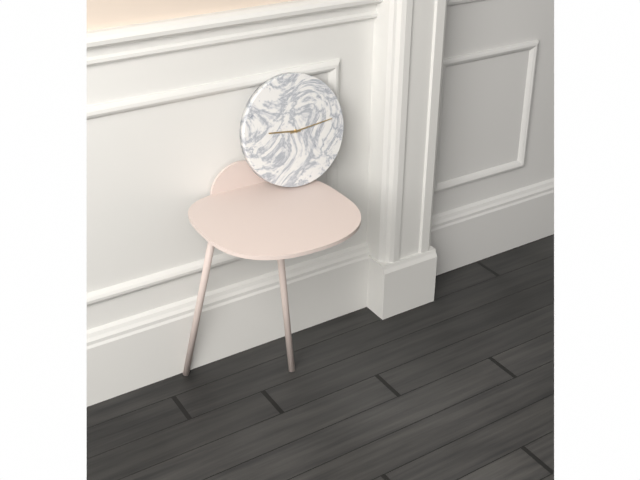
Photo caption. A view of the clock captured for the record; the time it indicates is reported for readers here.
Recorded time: 9:14
